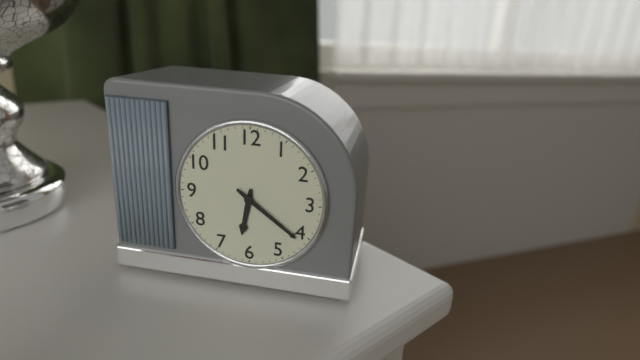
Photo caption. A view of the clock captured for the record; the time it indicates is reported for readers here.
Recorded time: 6:21
